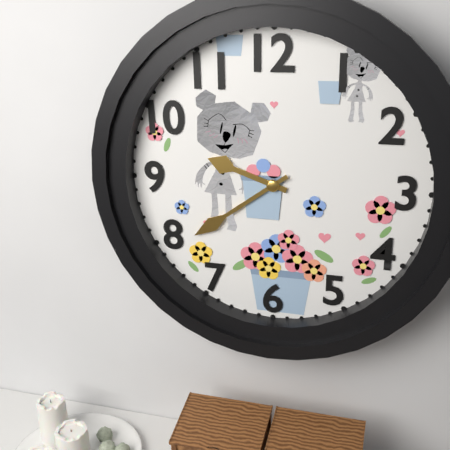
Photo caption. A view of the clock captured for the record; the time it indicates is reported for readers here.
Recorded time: 9:39
